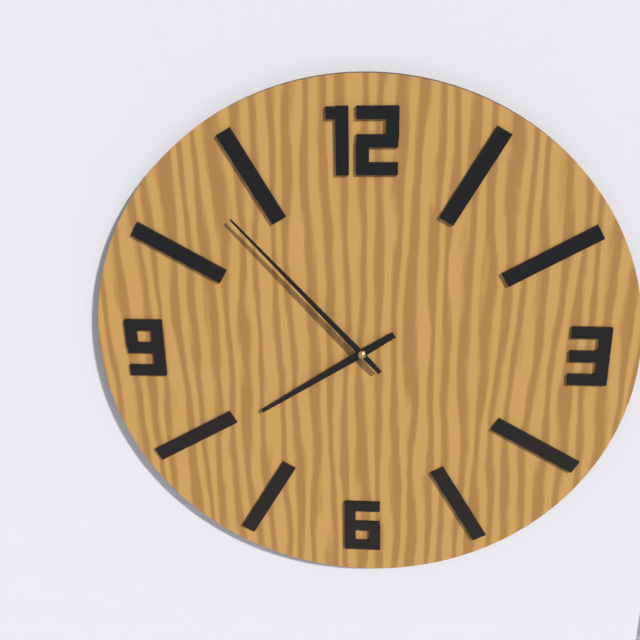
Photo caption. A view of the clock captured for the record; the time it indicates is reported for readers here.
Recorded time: 7:53
